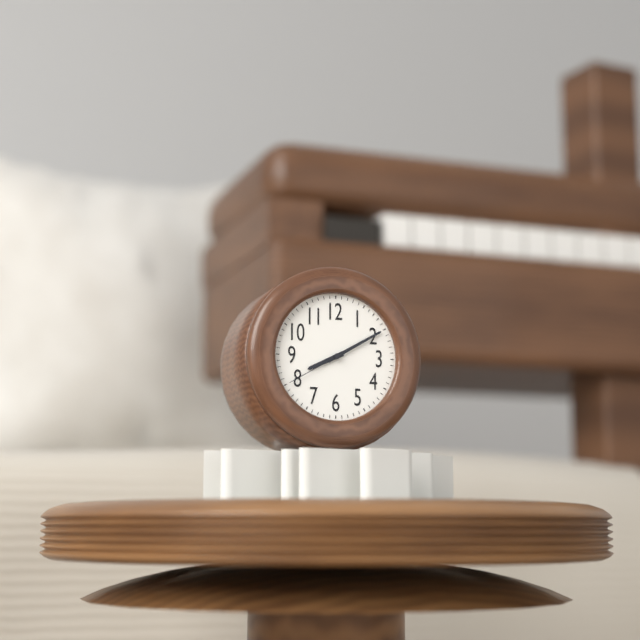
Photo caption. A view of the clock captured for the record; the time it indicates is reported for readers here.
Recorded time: 8:10:40
